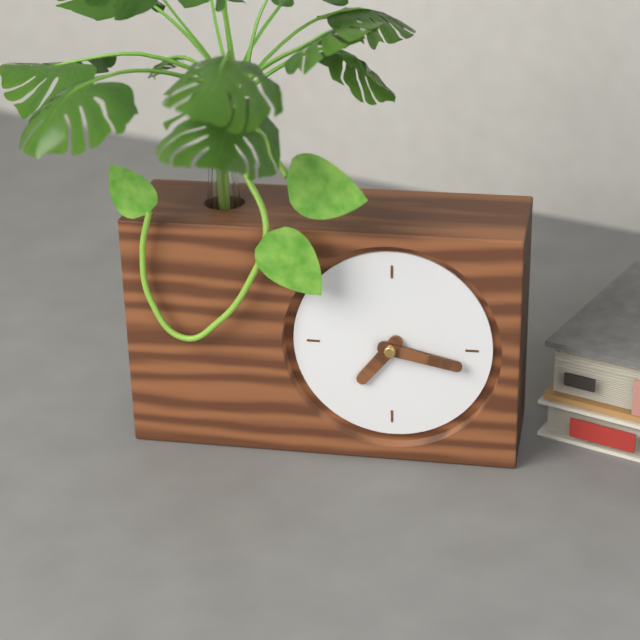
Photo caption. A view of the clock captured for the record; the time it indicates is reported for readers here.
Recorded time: 7:17
